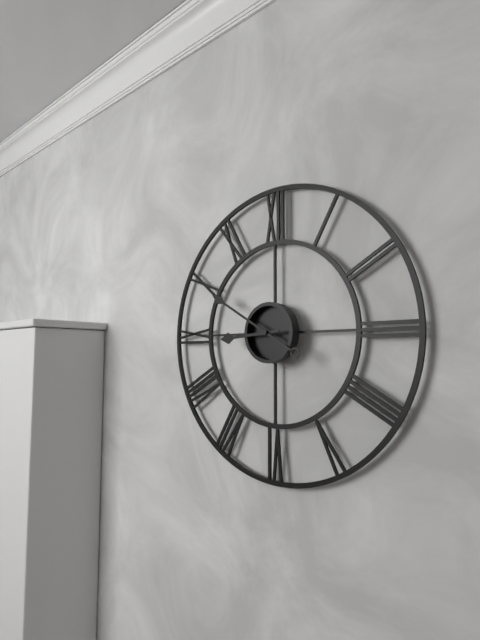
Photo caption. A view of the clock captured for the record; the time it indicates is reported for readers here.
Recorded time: 8:50
